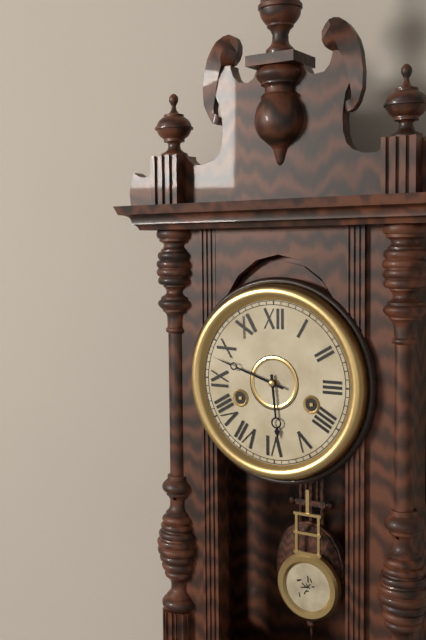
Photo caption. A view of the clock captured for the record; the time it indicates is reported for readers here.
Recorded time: 5:48
